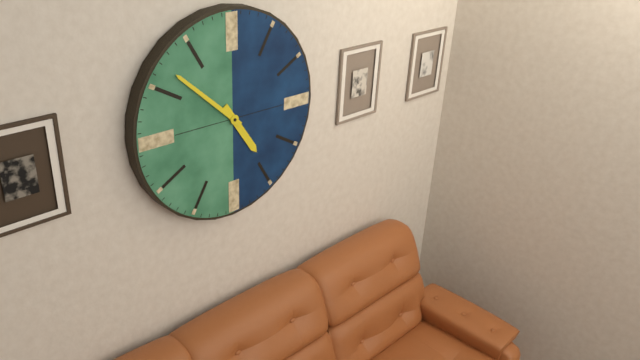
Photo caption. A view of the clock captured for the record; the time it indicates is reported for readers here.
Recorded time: 4:52
